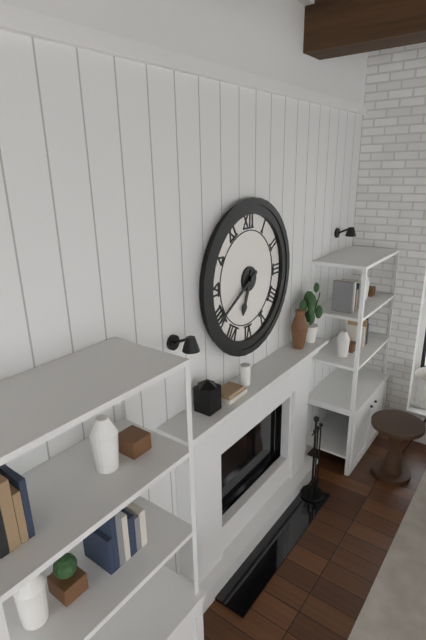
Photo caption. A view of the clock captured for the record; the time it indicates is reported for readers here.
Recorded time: 6:40
